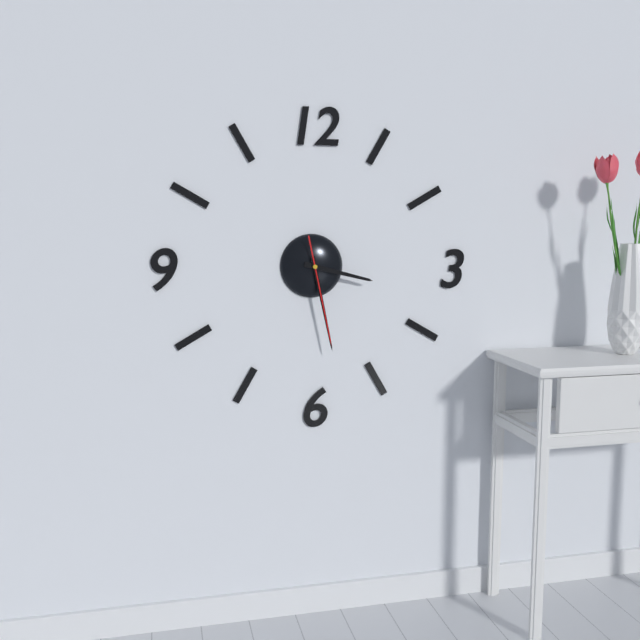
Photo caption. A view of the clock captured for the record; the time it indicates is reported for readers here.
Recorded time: 3:28:28
